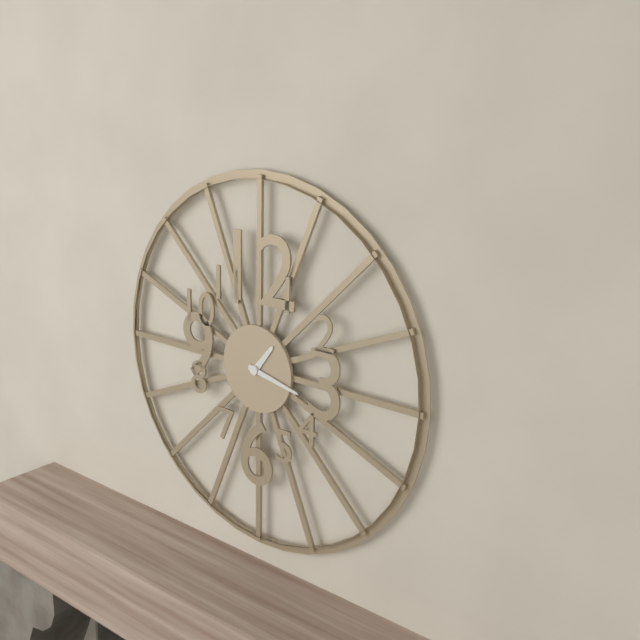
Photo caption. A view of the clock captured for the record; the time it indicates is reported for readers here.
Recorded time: 1:17
